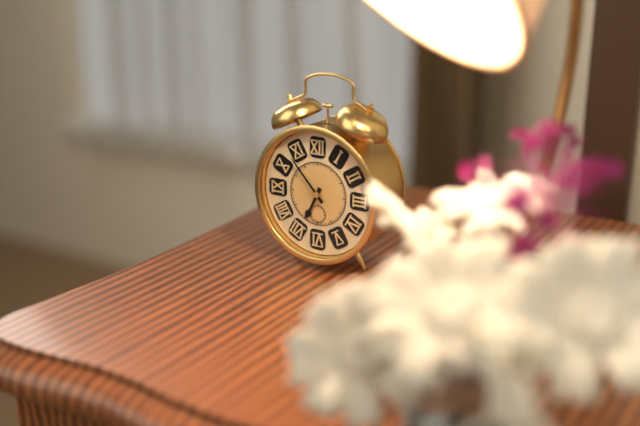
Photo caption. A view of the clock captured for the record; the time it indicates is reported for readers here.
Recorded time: 6:53
